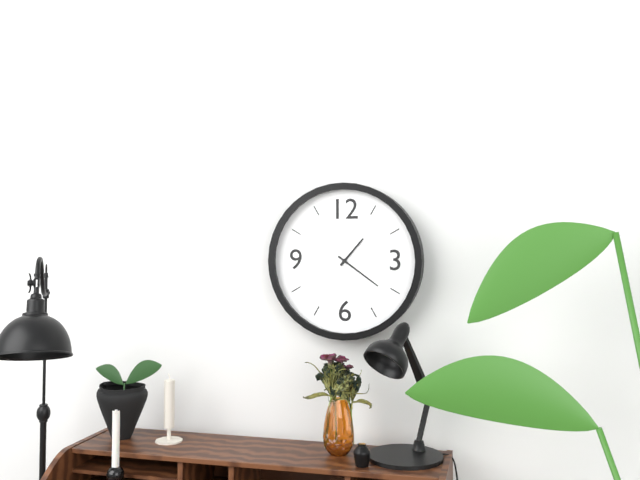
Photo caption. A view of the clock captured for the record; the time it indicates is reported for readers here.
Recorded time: 1:21
